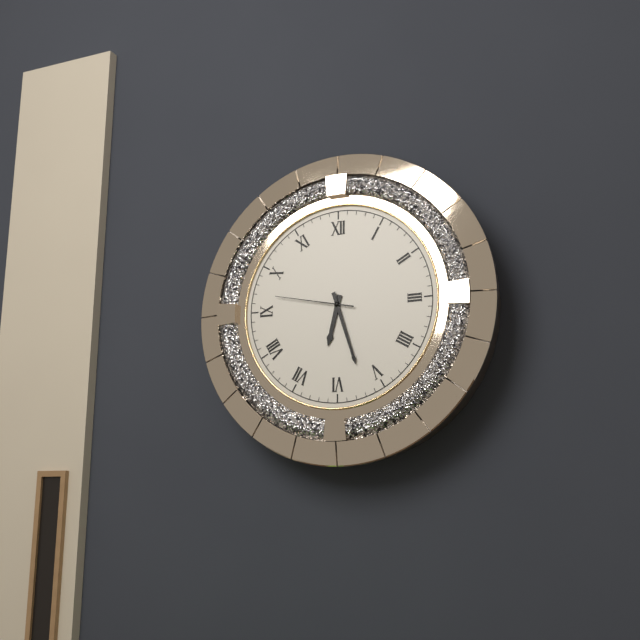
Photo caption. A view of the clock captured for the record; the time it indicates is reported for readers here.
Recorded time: 6:27:47
